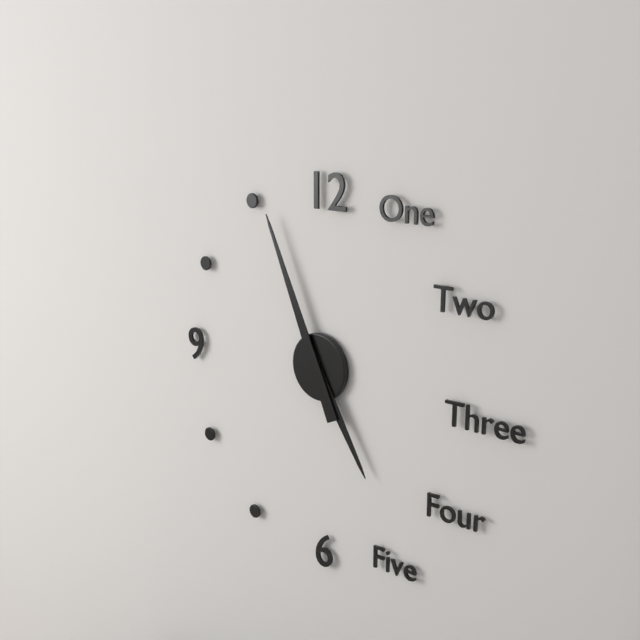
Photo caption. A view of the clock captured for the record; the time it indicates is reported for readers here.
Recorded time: 4:56
